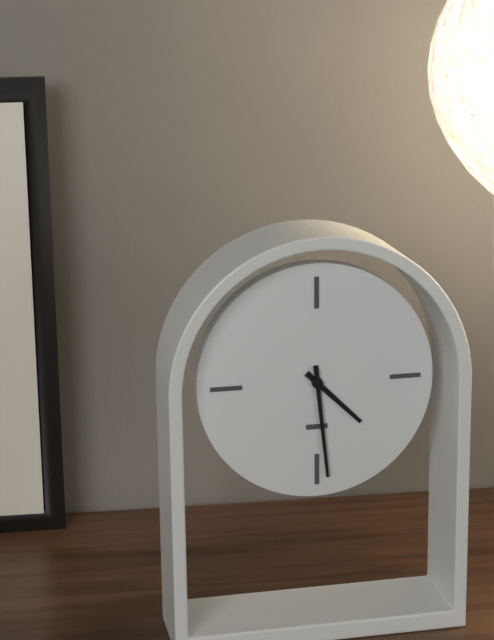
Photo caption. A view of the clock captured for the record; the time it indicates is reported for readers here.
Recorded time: 4:29
